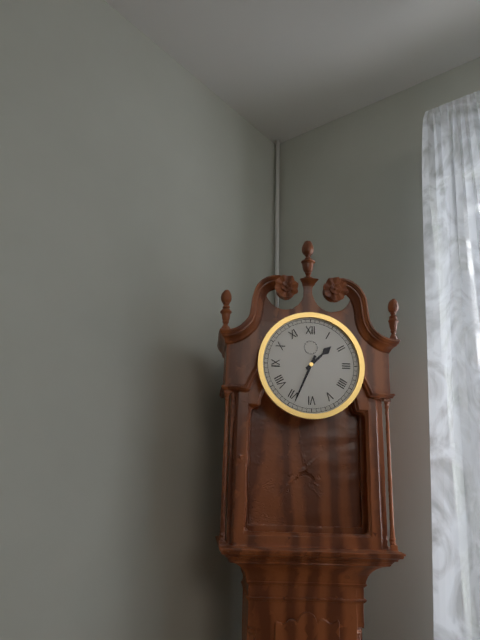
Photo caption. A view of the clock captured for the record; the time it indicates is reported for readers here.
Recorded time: 1:34
